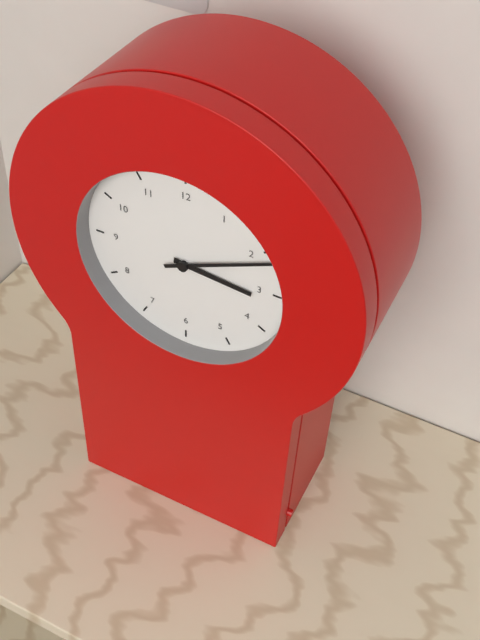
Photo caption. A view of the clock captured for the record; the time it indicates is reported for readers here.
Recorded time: 3:11
